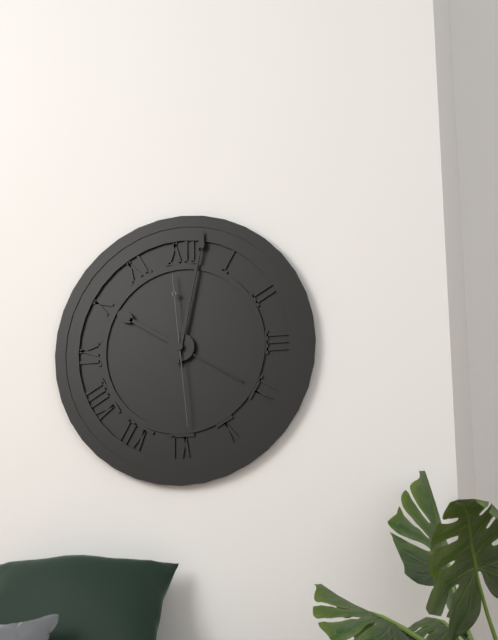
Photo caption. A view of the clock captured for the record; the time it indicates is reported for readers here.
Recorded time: 10:02:29
